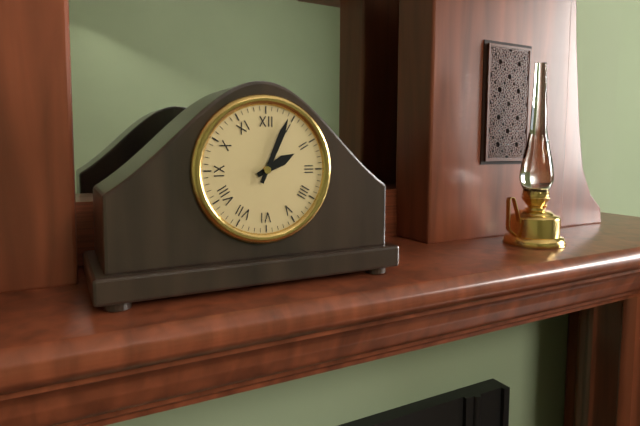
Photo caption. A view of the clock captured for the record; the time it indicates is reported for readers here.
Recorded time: 2:04
